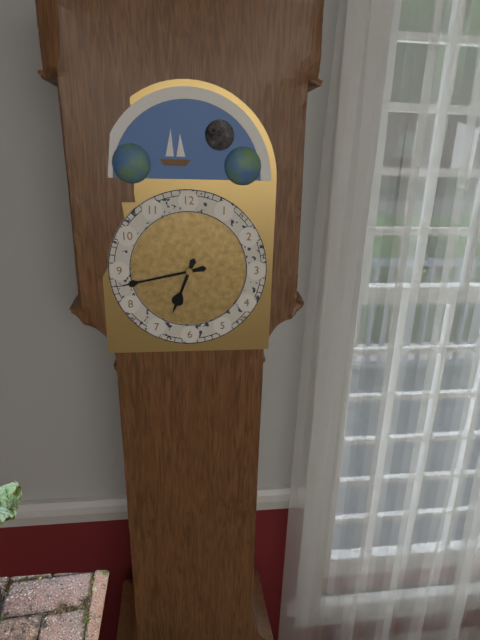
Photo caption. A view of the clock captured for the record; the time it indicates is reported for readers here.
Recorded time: 6:43
